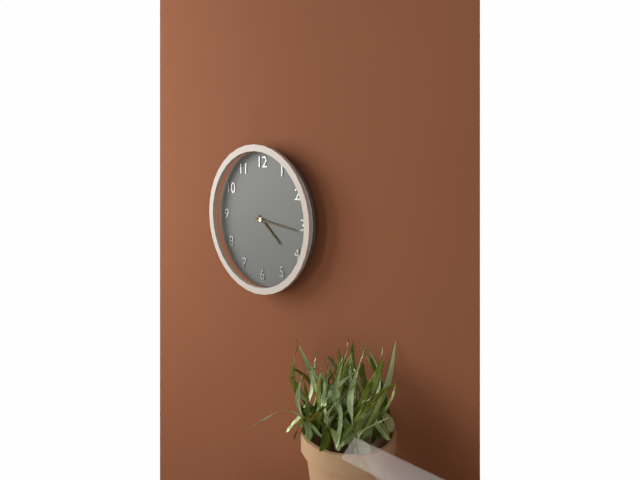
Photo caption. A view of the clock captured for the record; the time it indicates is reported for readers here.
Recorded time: 4:16
